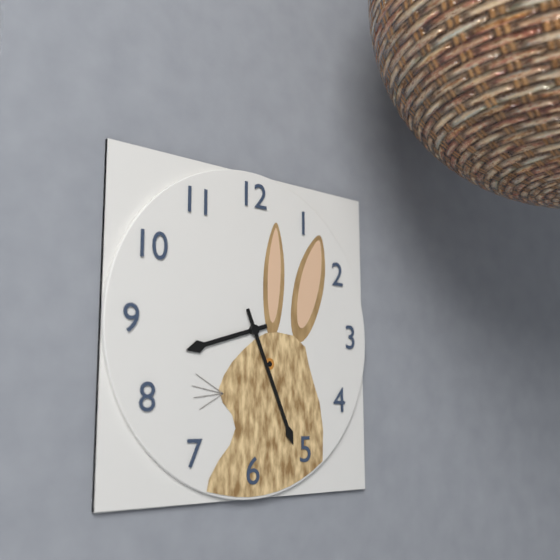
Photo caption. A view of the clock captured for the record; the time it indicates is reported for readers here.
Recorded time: 8:26
